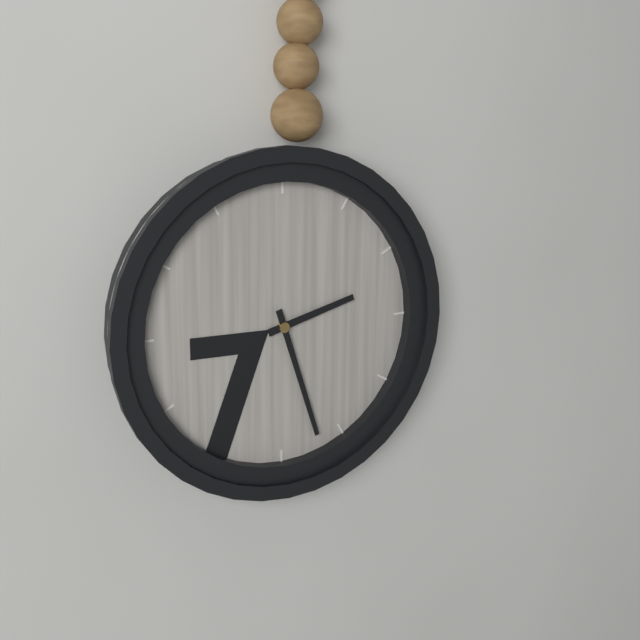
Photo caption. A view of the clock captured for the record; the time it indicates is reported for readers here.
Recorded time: 2:27
